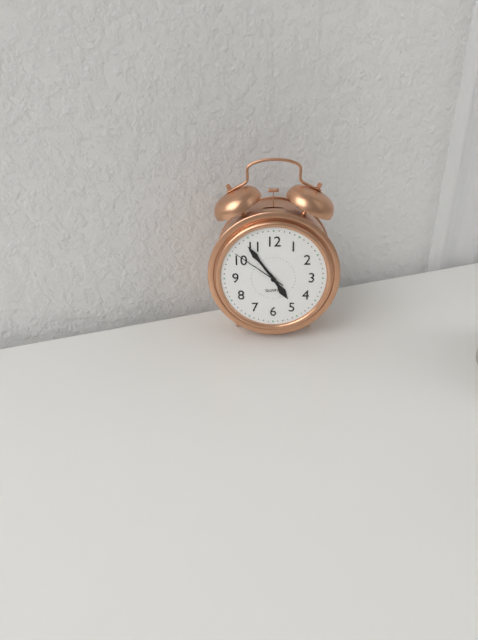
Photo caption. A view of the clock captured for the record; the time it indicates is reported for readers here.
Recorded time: 4:54:51
